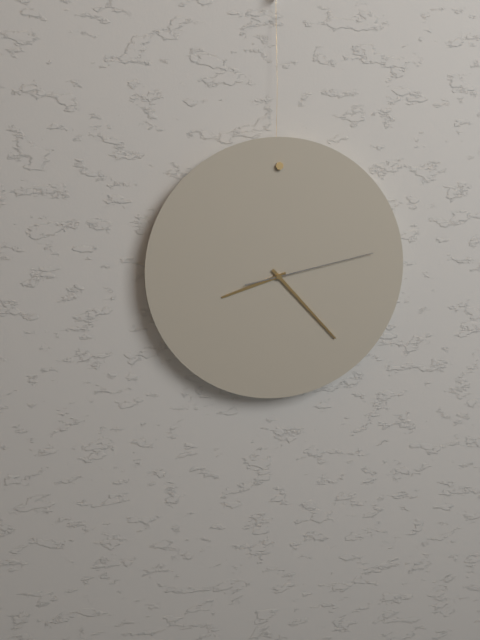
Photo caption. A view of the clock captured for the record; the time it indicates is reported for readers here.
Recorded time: 8:23:13
